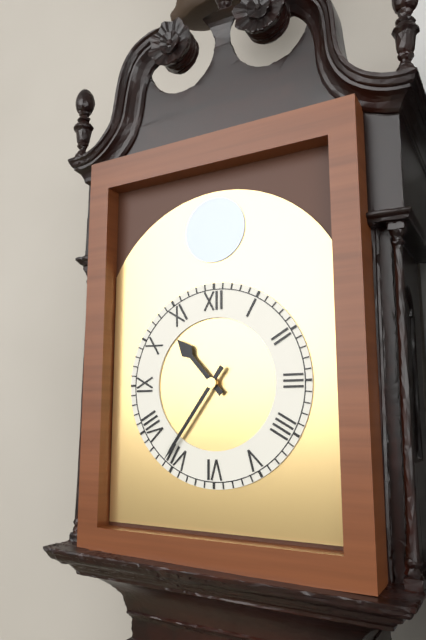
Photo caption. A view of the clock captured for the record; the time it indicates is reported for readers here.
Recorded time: 10:36
